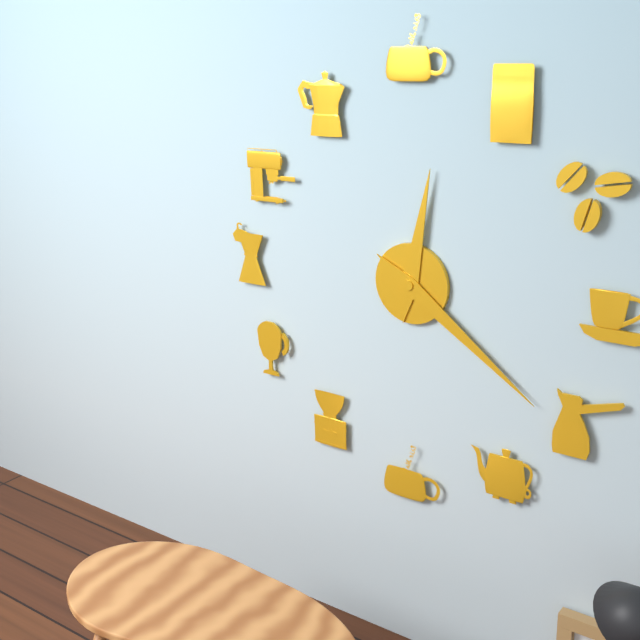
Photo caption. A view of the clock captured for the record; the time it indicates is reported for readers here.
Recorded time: 12:21
